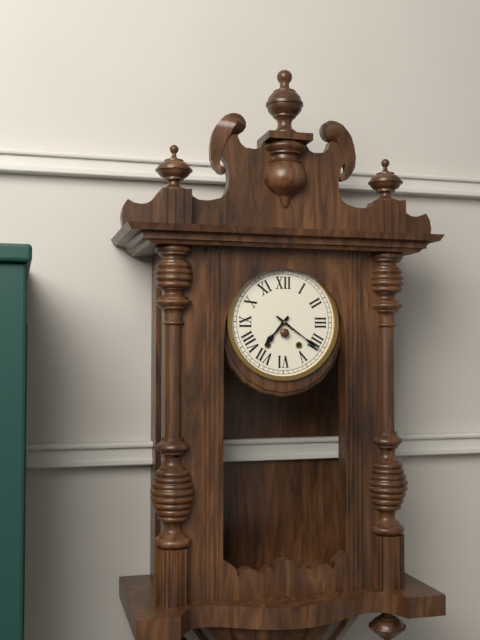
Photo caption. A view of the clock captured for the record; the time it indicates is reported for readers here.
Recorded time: 7:21
